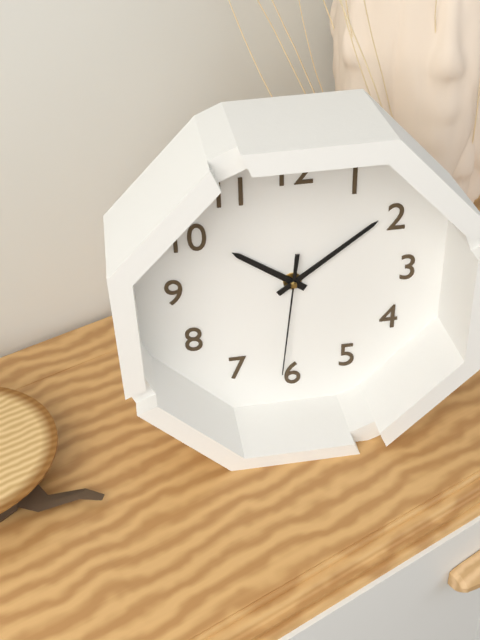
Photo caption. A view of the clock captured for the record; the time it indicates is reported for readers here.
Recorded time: 10:09:31
